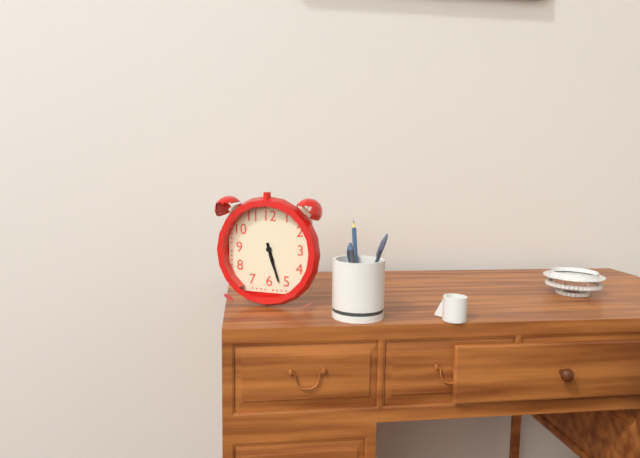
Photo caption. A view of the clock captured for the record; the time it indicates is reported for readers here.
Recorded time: 5:27
